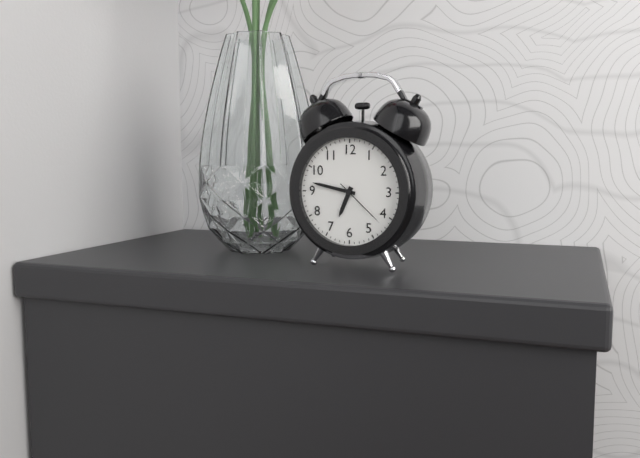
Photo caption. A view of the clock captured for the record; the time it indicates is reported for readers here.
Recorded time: 6:47:22
